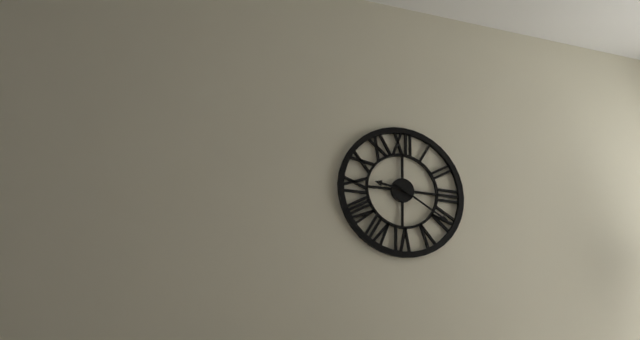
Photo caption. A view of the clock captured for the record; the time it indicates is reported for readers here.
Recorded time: 9:20
